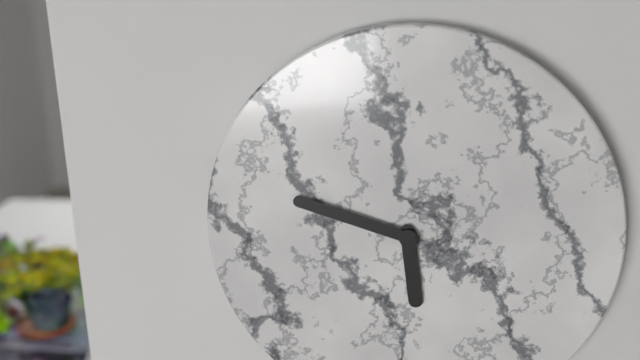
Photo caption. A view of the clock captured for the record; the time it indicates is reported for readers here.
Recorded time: 5:48
